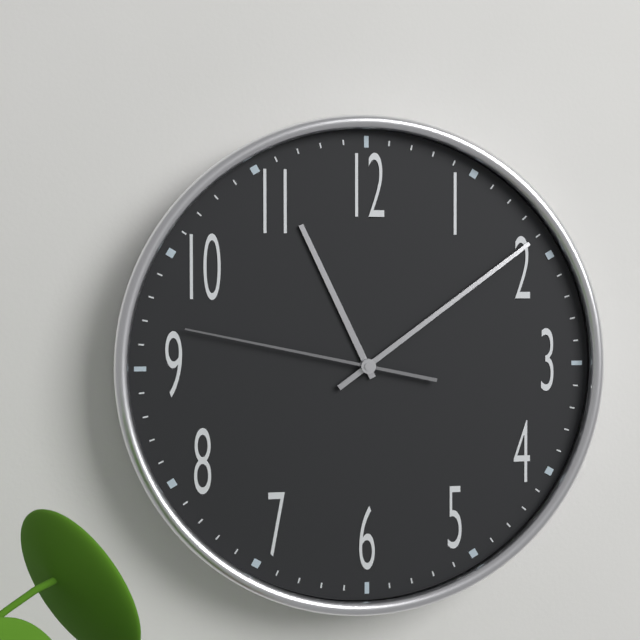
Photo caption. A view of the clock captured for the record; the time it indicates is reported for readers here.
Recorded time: 11:09:47
